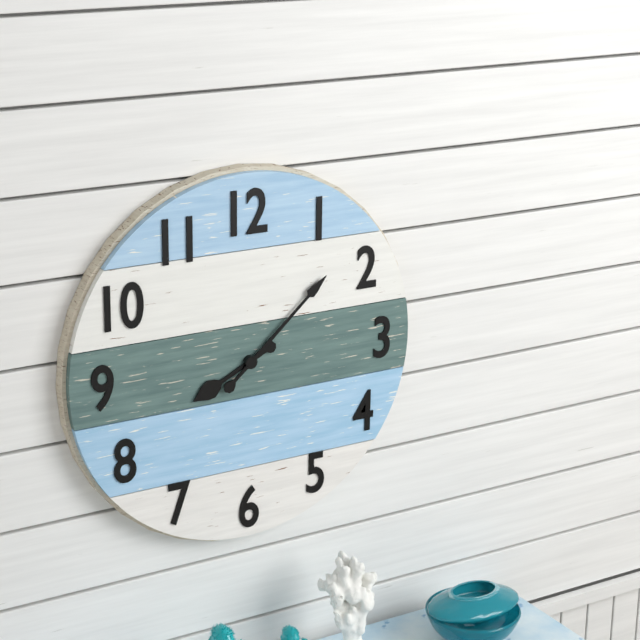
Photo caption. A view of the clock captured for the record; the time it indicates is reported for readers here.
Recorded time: 8:08
